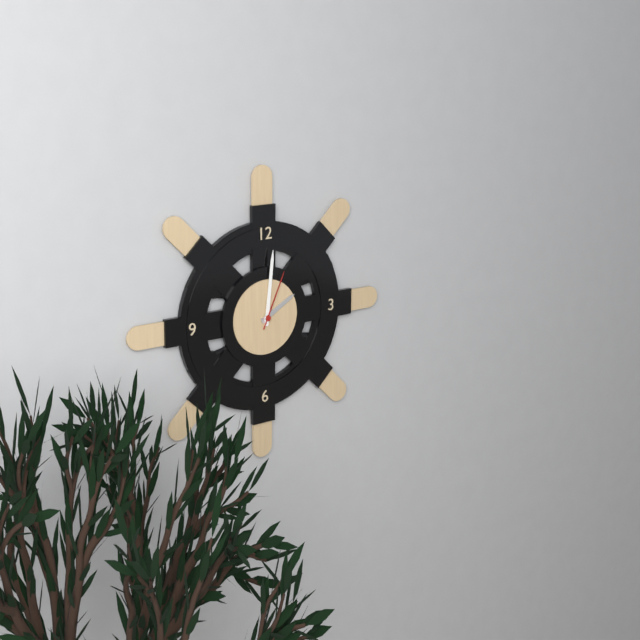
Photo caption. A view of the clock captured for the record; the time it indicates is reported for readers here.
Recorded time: 2:01:04
